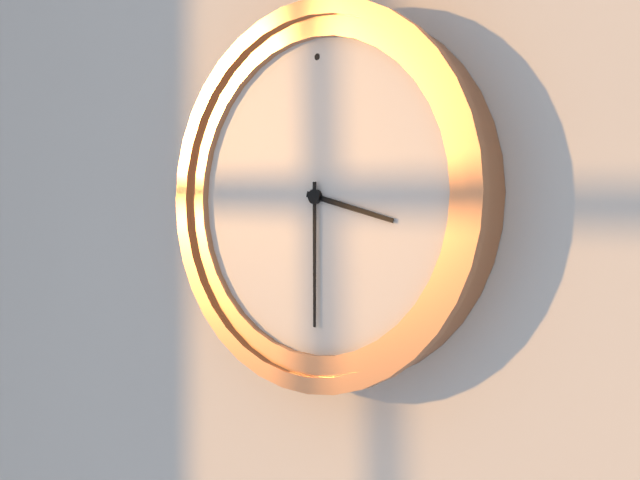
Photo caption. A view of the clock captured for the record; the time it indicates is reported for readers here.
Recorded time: 3:30
